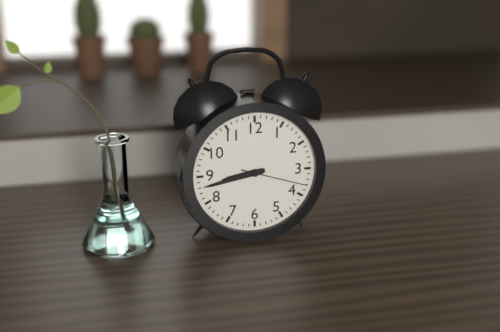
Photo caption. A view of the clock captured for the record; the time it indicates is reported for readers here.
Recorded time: 8:43:18
